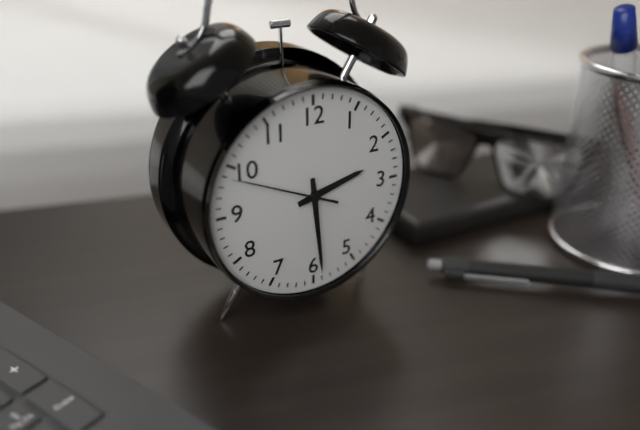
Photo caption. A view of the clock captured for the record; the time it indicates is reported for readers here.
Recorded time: 2:29:49
